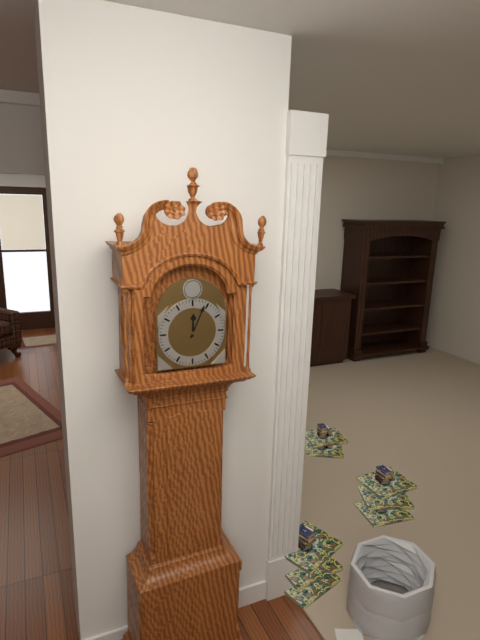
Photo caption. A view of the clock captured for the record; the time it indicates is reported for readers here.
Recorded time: 12:04
